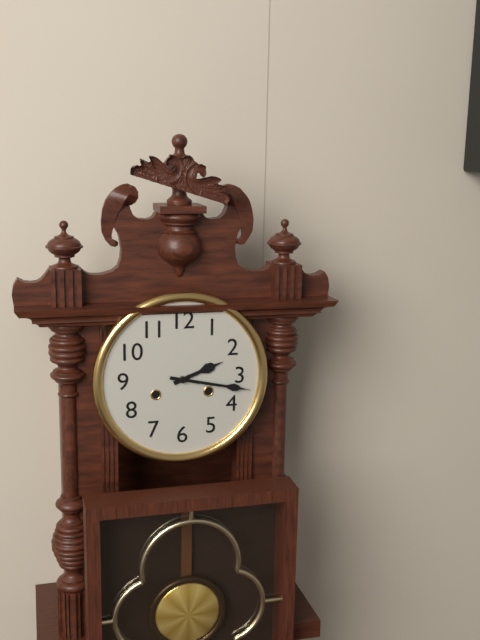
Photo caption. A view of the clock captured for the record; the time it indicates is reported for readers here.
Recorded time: 2:17
